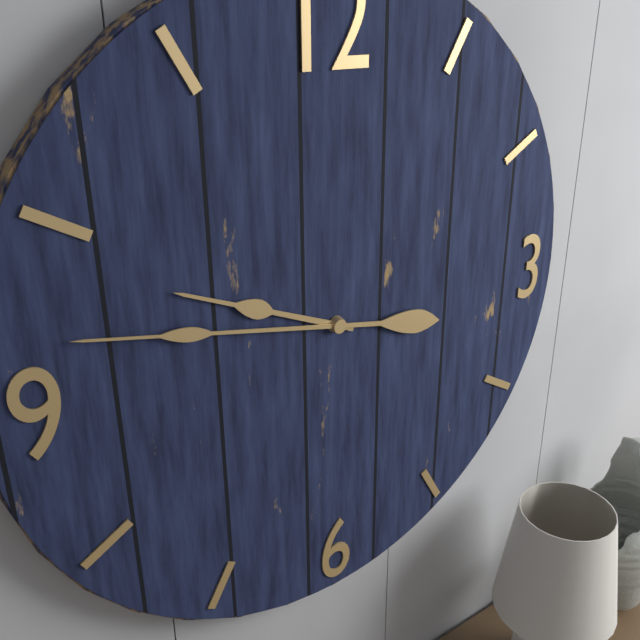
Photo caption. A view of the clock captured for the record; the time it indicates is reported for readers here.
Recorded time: 9:47
